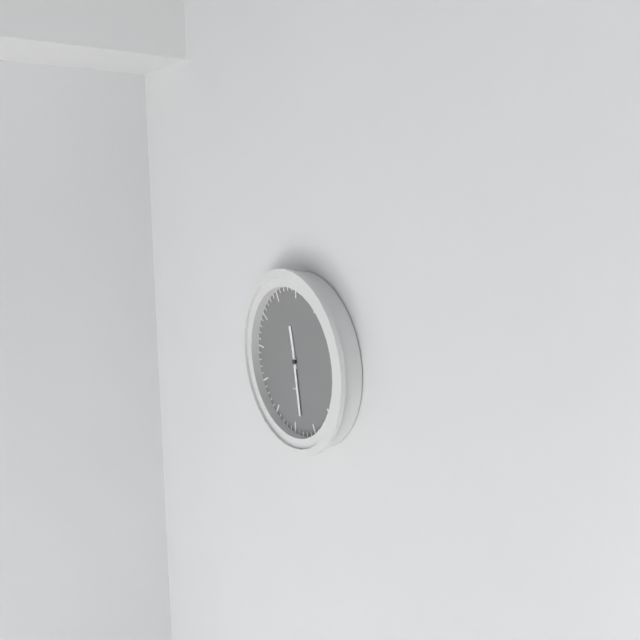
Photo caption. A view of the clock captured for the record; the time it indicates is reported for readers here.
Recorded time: 11:28
